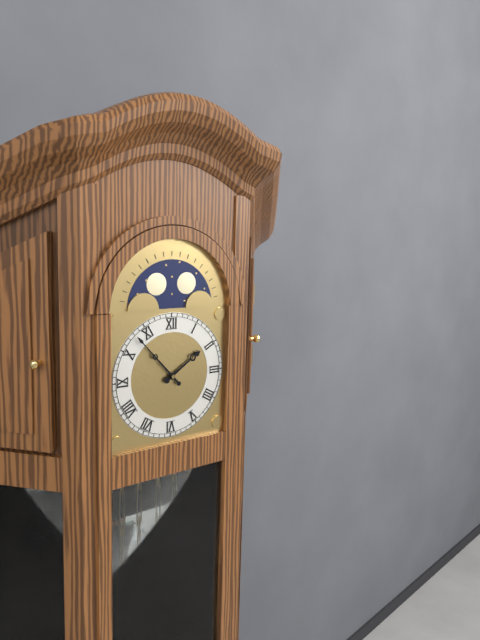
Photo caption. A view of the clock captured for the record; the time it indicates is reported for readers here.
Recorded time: 1:53
